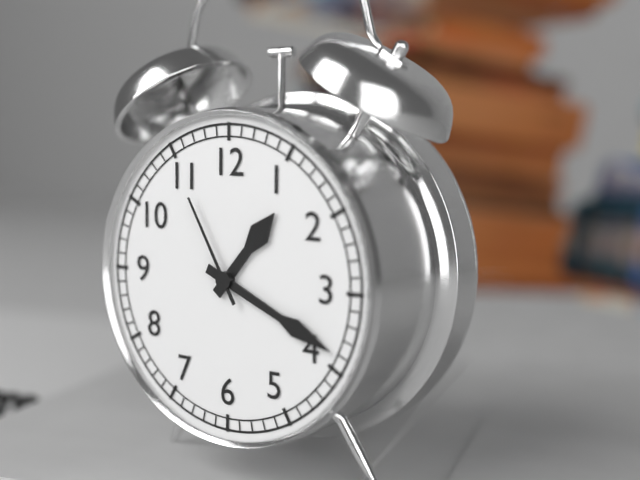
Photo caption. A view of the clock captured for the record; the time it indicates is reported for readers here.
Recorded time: 1:19:55
